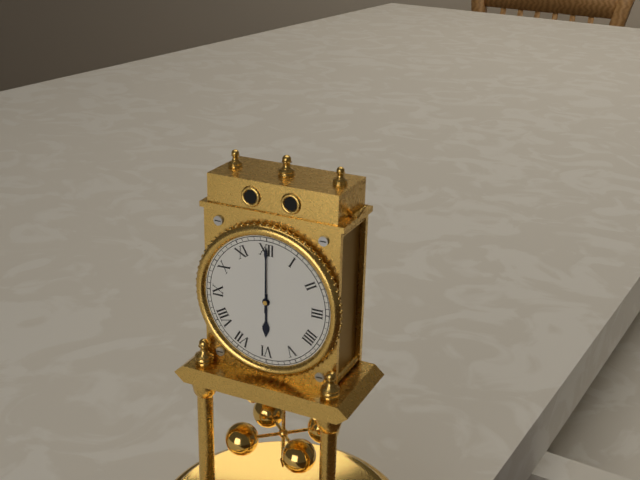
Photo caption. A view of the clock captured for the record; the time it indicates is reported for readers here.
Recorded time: 6:00
